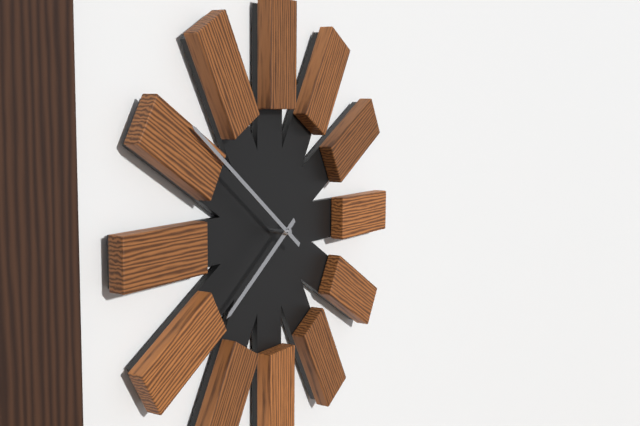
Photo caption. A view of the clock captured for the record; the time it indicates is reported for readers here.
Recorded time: 7:51
